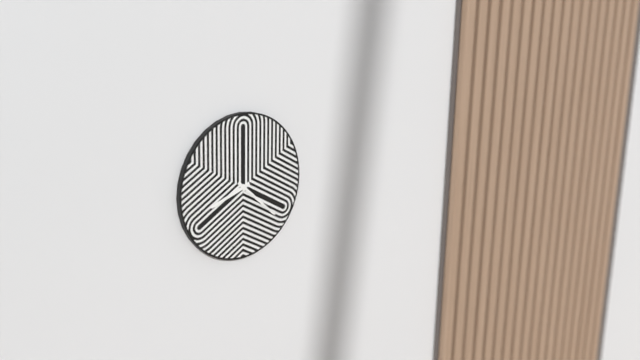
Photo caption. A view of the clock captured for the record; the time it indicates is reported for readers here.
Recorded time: 8:22
